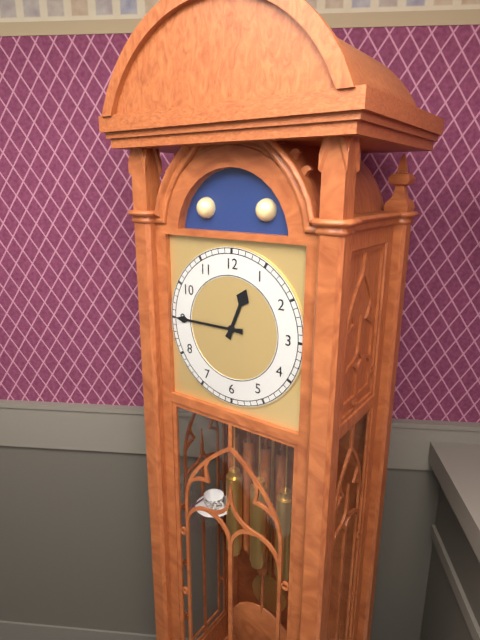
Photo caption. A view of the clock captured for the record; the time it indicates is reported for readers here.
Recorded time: 12:45
